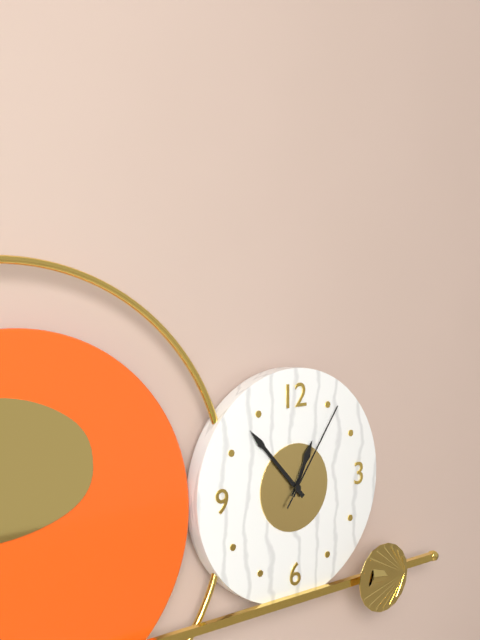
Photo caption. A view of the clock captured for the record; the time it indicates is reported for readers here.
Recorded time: 12:53:06
